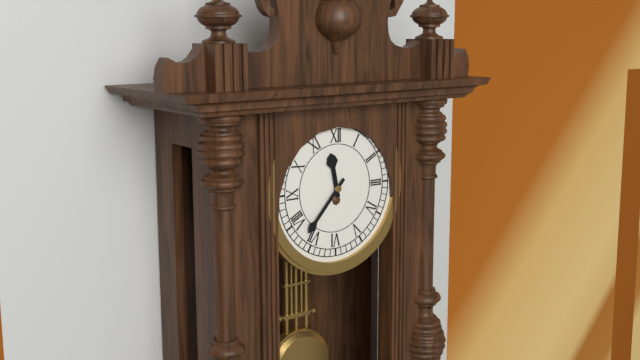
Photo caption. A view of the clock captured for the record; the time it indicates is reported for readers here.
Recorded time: 11:37
